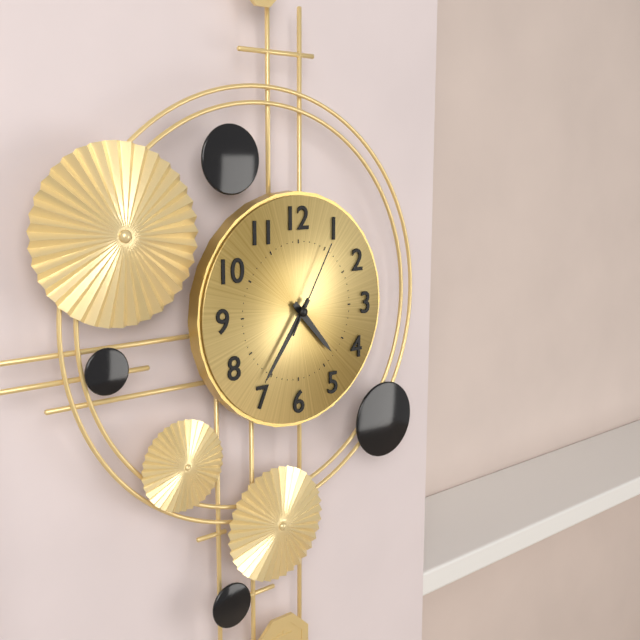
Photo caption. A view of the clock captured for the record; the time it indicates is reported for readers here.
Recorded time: 4:36:05
